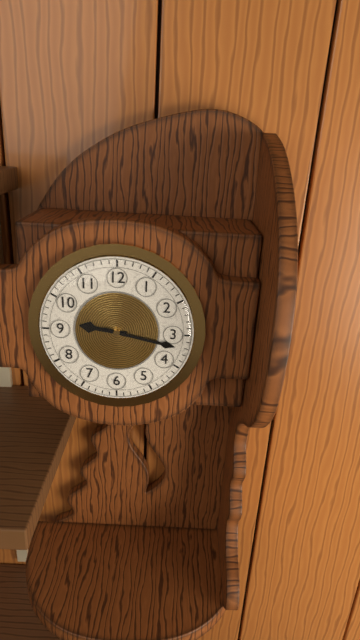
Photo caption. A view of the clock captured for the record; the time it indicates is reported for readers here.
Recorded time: 9:17
